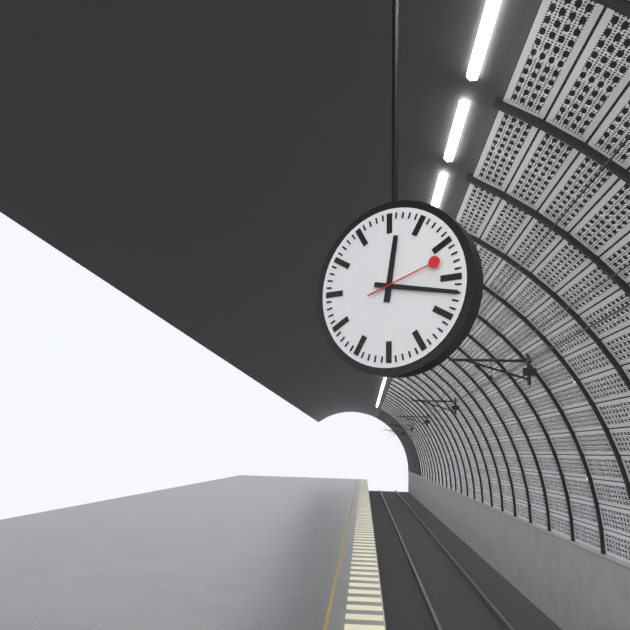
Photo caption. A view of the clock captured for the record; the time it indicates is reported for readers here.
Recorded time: 12:17:12
